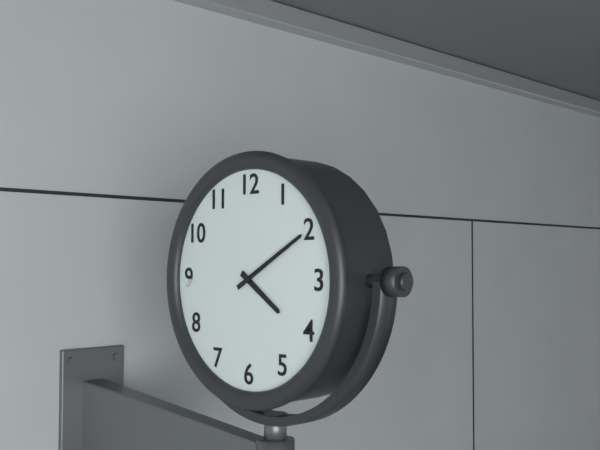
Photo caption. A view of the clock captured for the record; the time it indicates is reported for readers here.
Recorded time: 4:10
